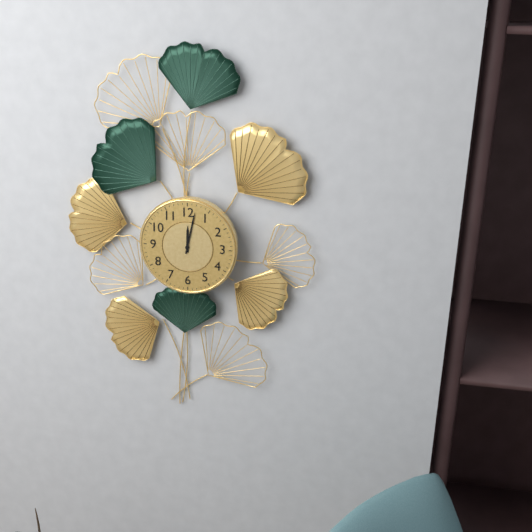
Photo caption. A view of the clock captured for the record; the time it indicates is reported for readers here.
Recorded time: 12:02
